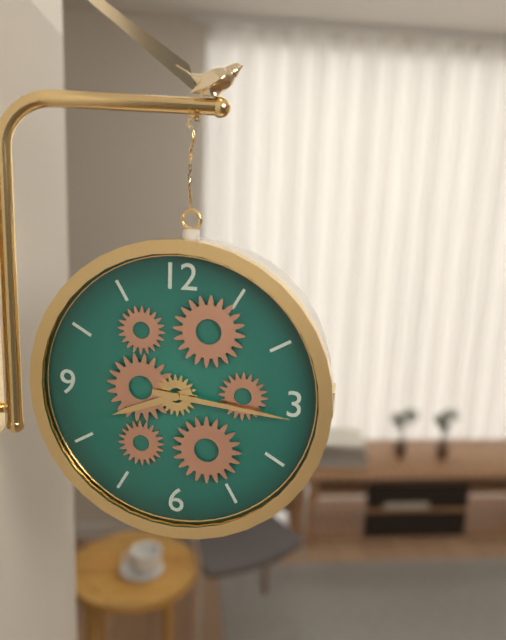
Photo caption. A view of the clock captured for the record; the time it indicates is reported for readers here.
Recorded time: 8:16
